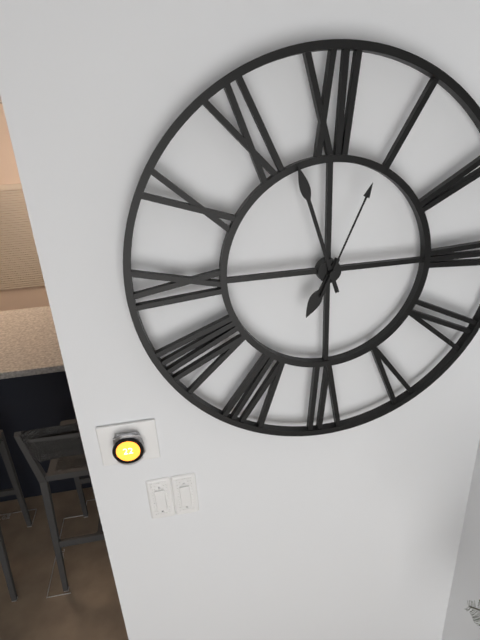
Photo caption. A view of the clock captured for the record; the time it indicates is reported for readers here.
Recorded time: 6:57:04
